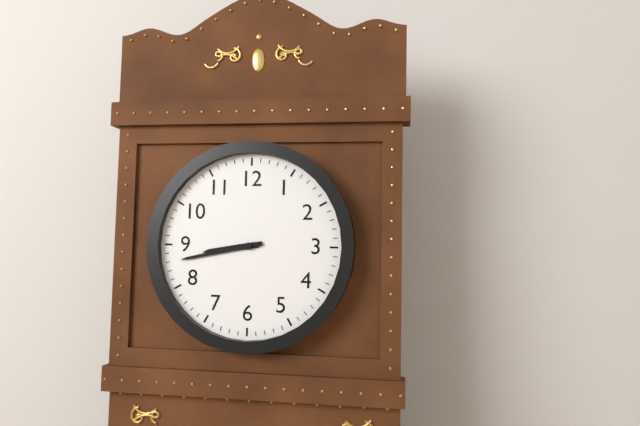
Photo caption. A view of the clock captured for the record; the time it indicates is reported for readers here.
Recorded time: 8:43
